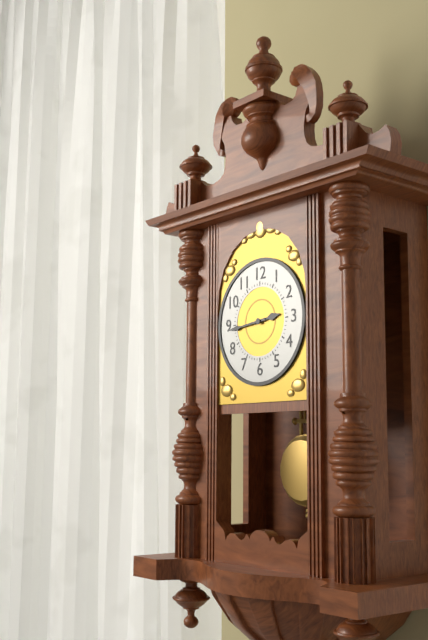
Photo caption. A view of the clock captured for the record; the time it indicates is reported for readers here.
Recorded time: 2:44
